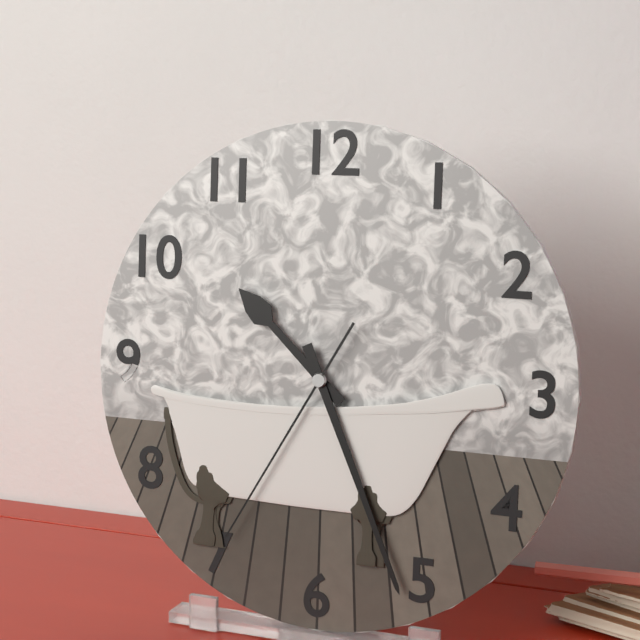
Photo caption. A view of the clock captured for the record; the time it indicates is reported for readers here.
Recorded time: 10:26:35
